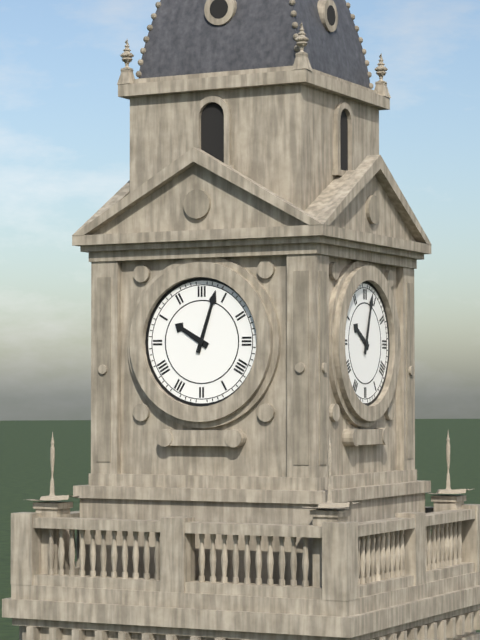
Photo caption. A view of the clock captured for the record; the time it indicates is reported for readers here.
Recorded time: 10:03
